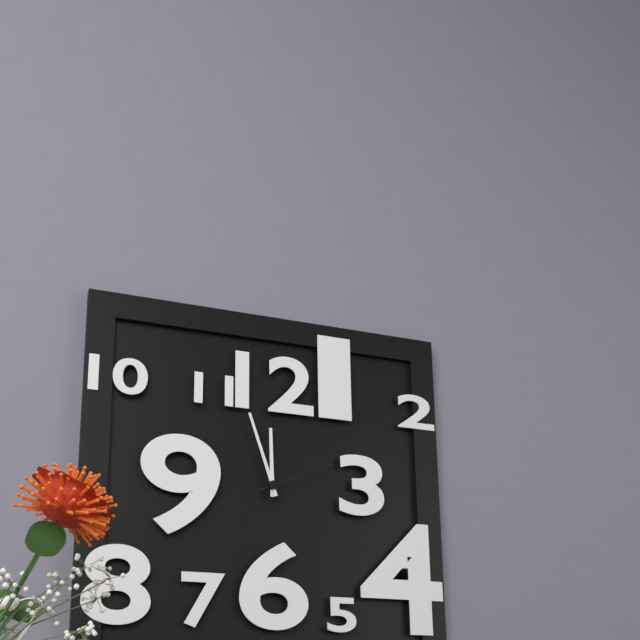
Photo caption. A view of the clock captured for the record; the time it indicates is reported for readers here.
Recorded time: 11:57:11
